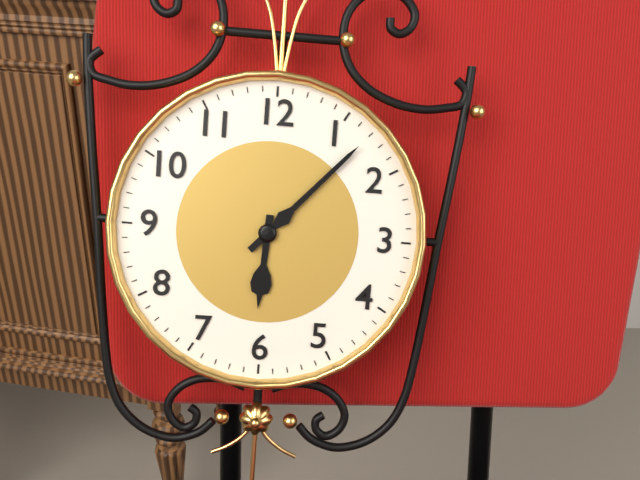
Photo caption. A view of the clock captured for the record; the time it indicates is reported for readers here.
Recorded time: 6:07
